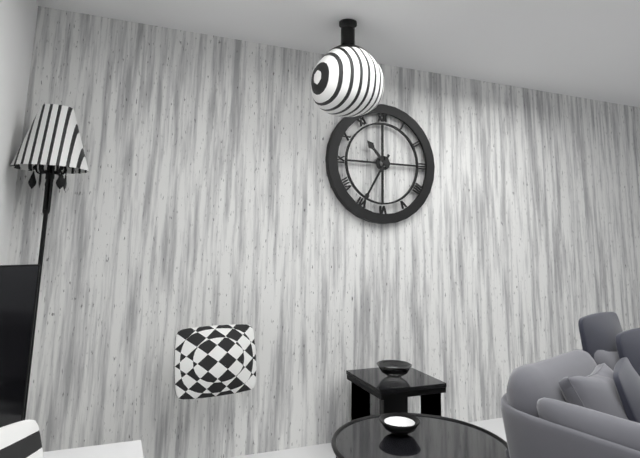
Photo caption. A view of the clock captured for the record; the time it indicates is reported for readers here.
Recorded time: 10:35
